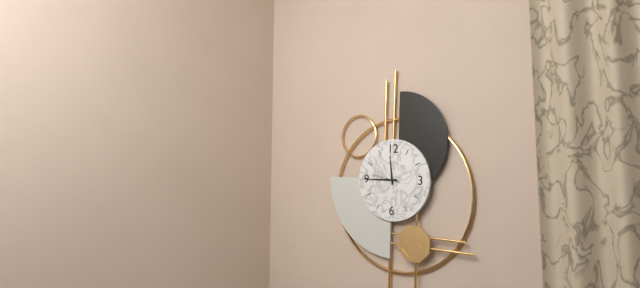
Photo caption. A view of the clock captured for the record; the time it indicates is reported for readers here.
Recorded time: 11:45
